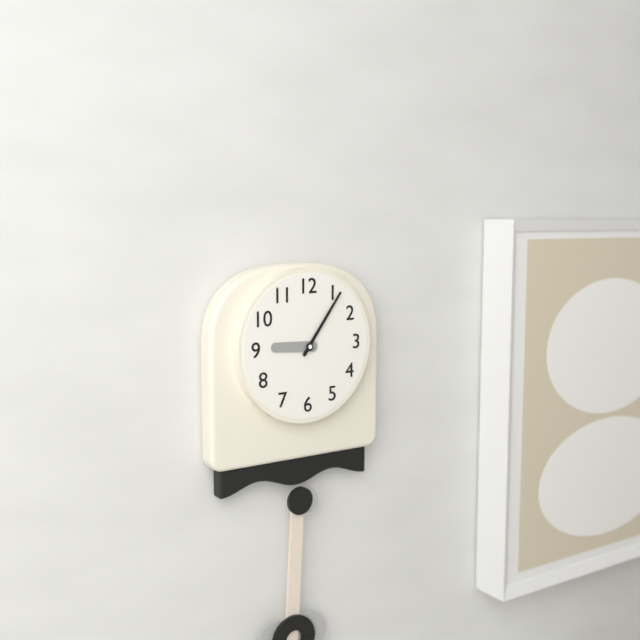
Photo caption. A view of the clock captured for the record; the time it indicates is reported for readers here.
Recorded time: 9:06
